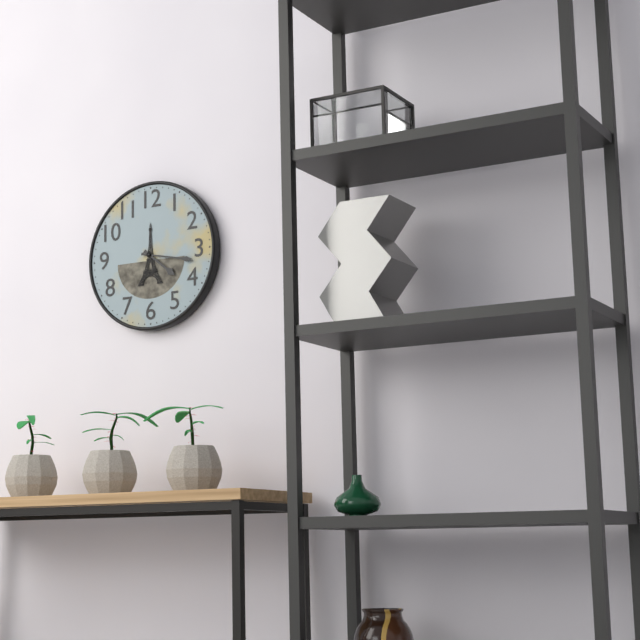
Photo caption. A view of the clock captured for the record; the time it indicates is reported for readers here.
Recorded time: 4:17
